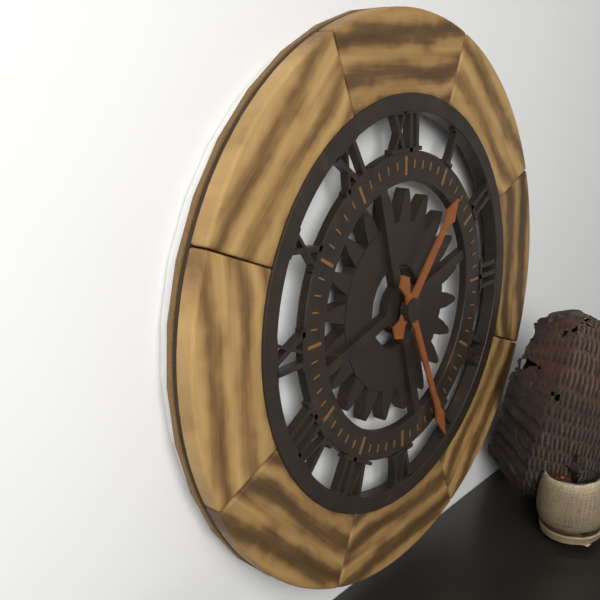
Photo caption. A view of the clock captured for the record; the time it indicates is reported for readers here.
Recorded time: 1:26
